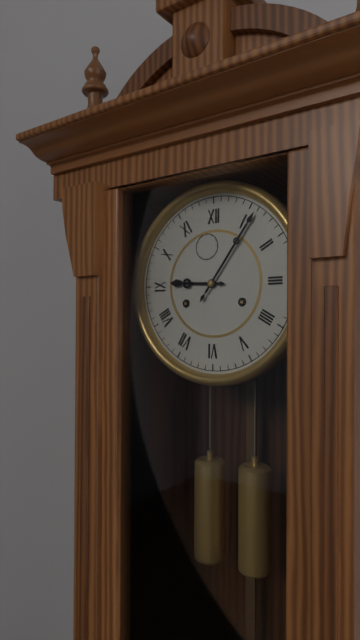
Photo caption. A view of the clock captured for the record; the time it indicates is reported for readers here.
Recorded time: 9:06
